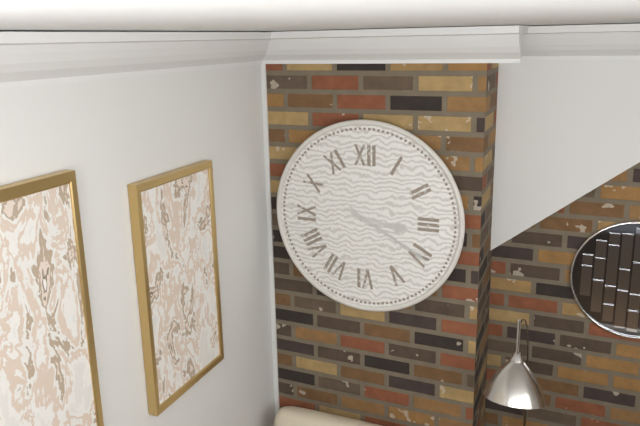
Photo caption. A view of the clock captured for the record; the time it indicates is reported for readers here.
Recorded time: 3:20
